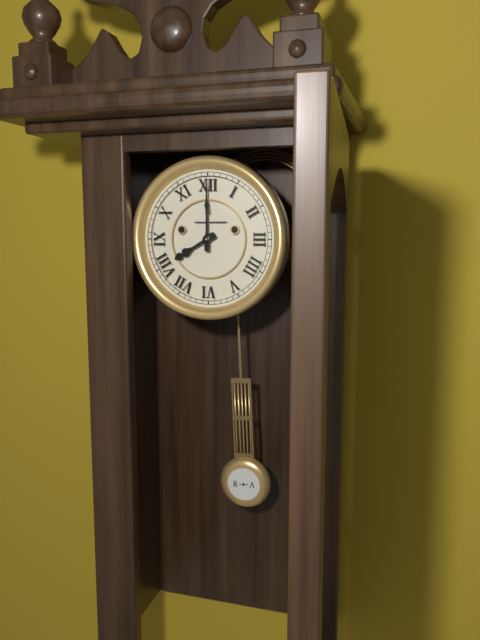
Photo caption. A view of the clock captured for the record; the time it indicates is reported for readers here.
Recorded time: 8:00
